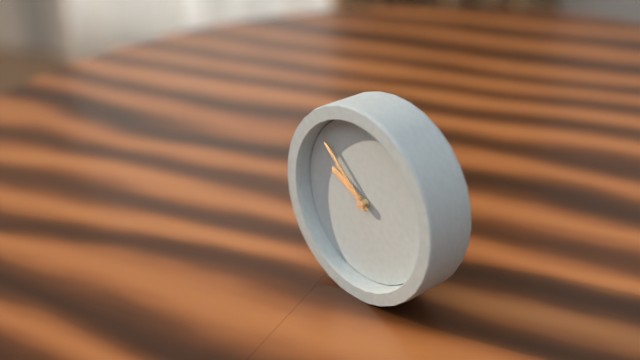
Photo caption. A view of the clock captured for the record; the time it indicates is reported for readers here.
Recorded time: 9:52
